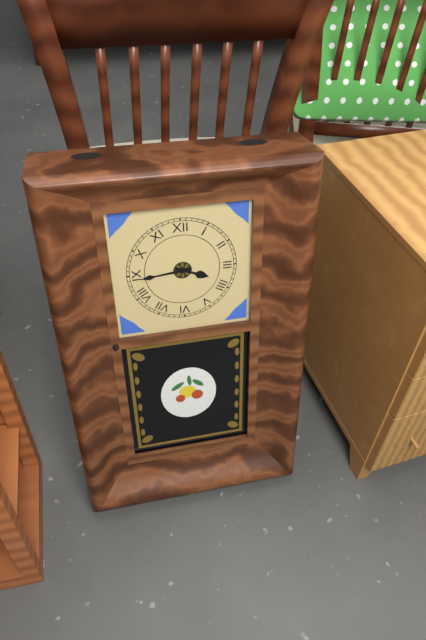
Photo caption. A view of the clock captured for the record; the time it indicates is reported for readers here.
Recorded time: 3:44
